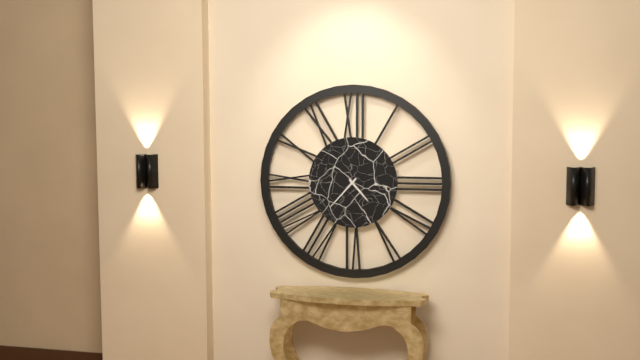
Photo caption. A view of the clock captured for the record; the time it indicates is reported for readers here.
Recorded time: 4:37
